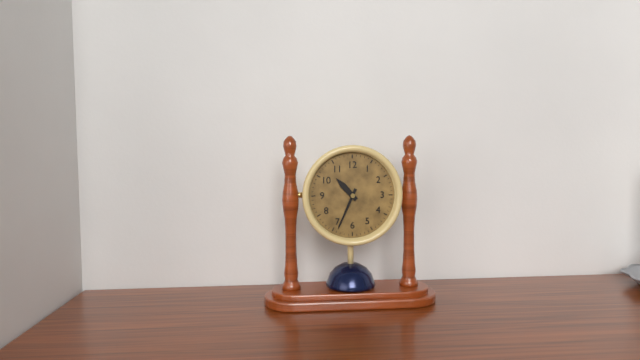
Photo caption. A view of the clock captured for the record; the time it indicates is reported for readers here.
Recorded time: 10:34
